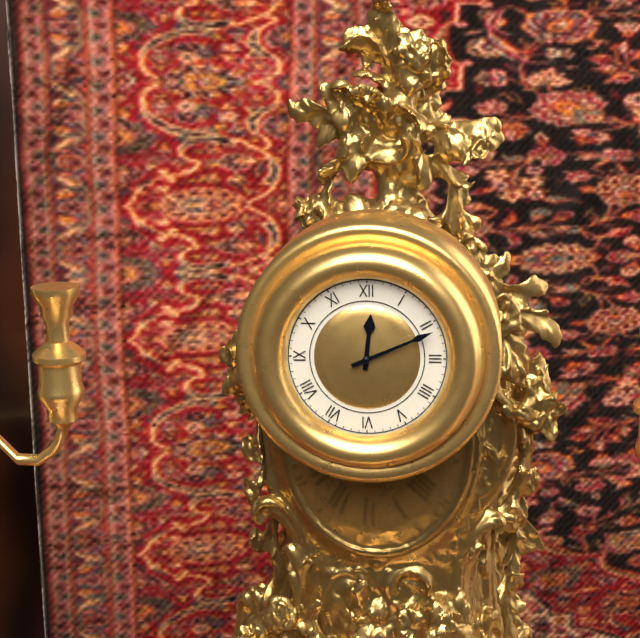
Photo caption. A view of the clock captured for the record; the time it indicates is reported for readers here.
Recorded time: 12:11
